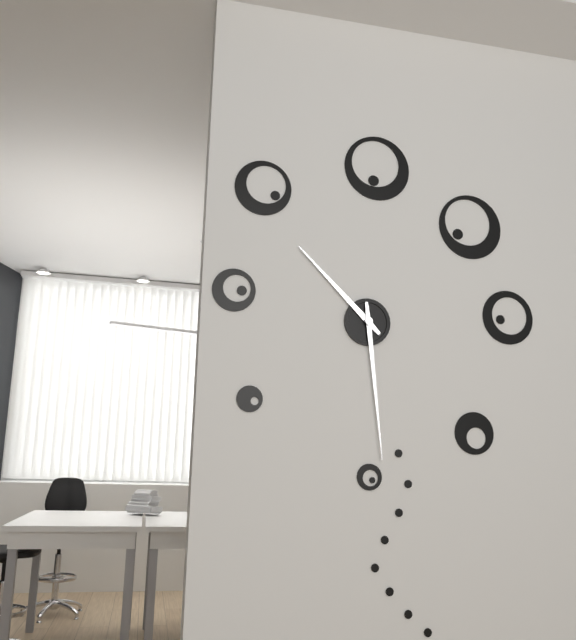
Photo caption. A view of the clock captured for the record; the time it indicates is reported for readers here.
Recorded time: 10:29
